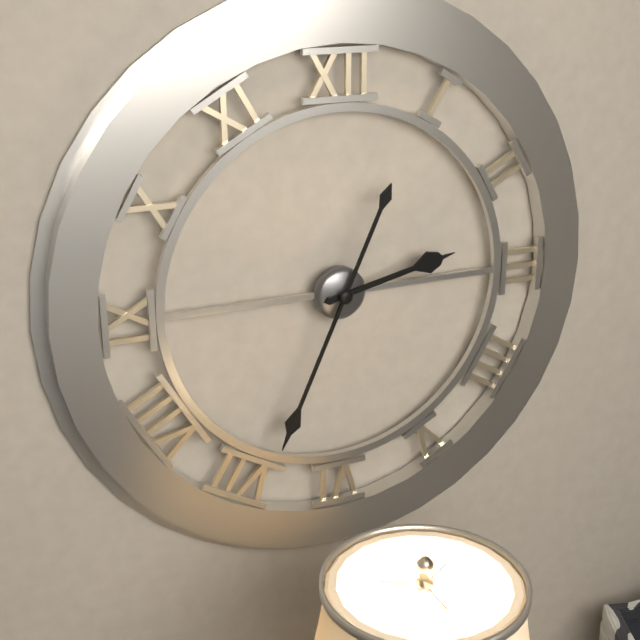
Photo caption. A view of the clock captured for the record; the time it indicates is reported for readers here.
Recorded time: 2:34
